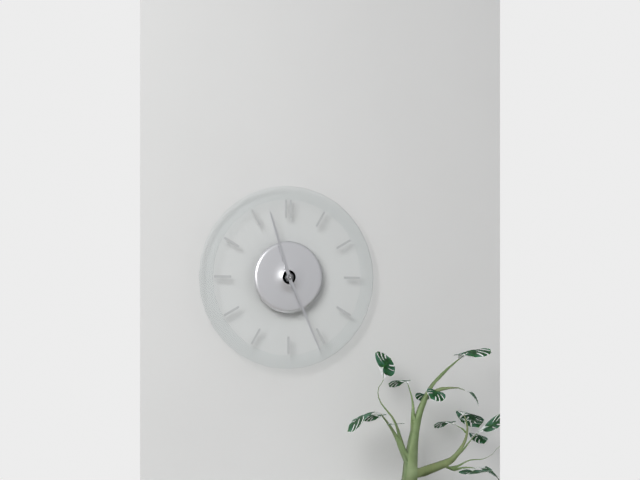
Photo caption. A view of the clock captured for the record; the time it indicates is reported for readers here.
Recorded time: 11:26
